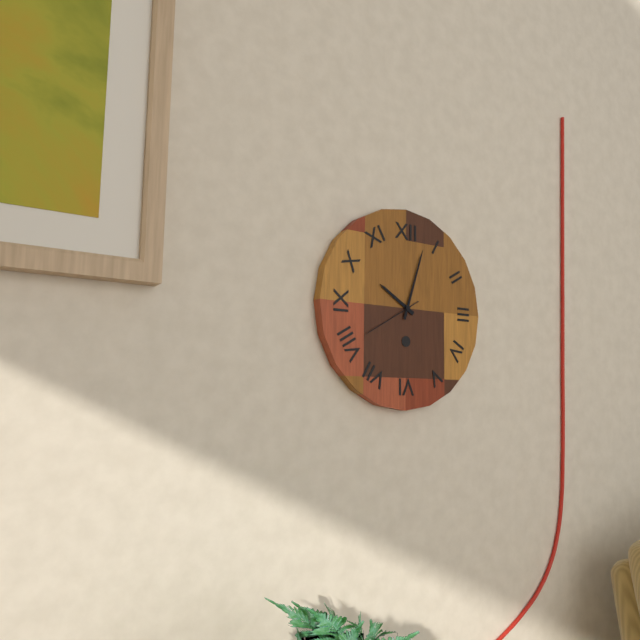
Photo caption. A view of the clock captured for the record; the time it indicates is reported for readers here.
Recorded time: 10:03:40
